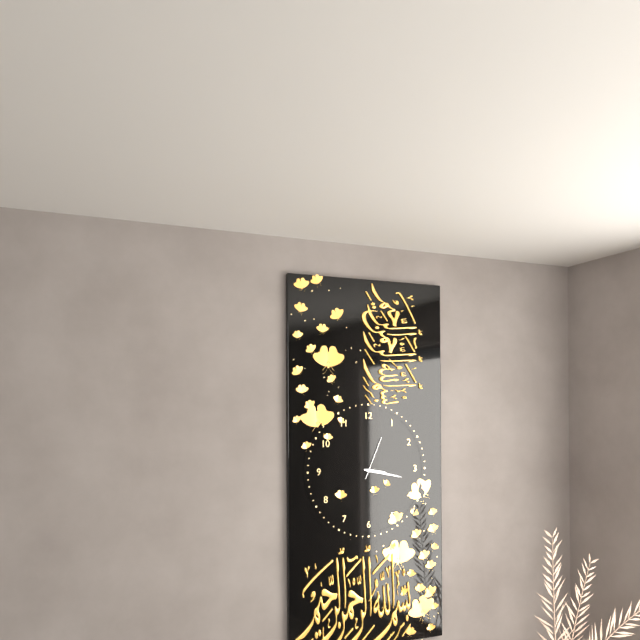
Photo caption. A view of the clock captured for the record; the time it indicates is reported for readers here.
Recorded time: 3:17
